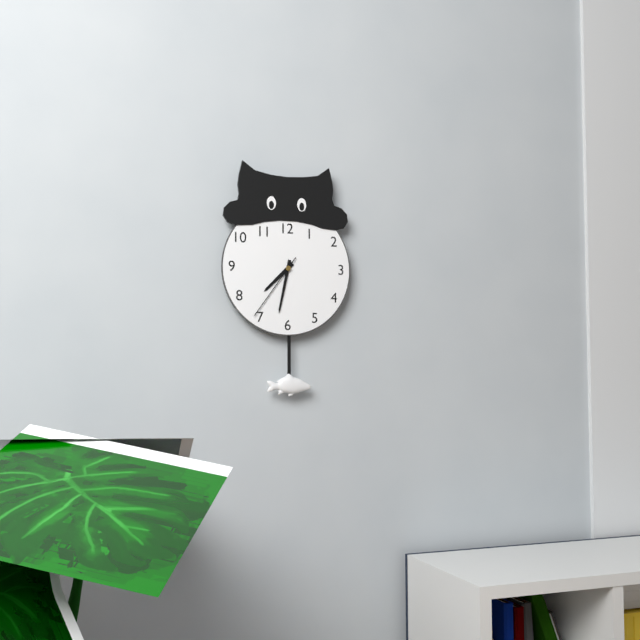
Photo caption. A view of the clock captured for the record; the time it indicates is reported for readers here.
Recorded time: 7:32:36
